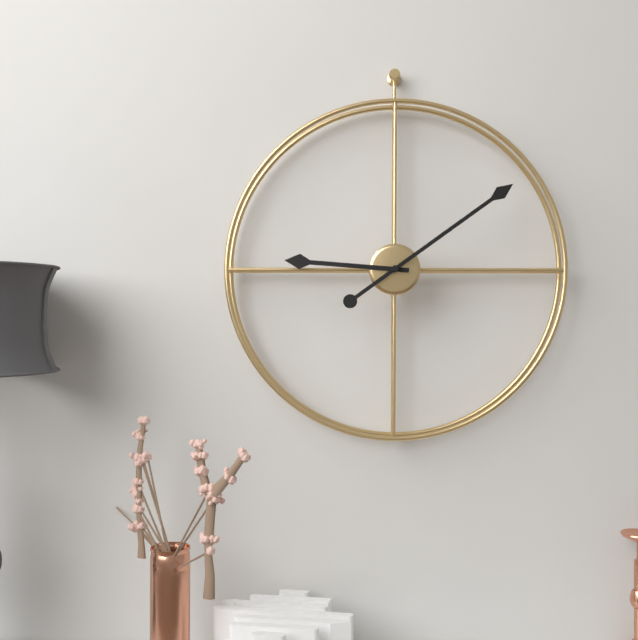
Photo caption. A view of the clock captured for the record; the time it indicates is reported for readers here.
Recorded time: 9:09
